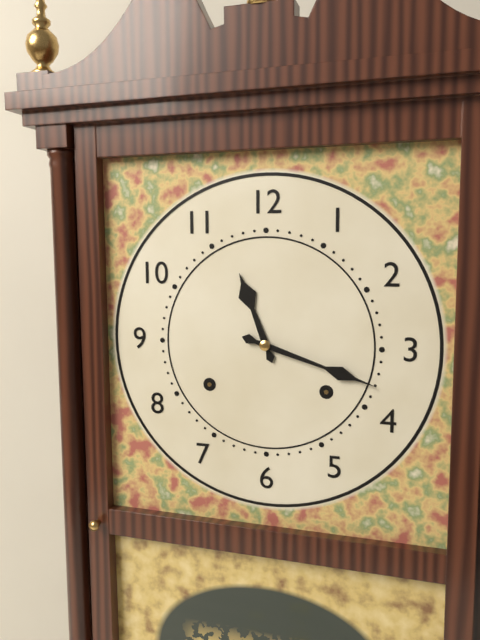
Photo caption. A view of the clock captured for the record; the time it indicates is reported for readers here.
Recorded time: 11:18
